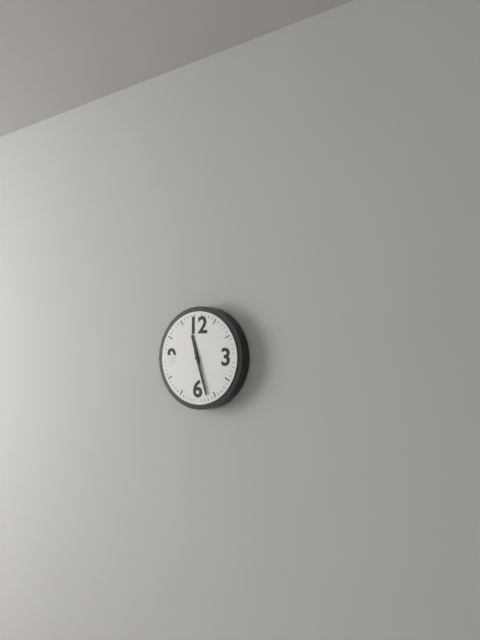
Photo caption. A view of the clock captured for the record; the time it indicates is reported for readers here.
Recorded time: 11:27
